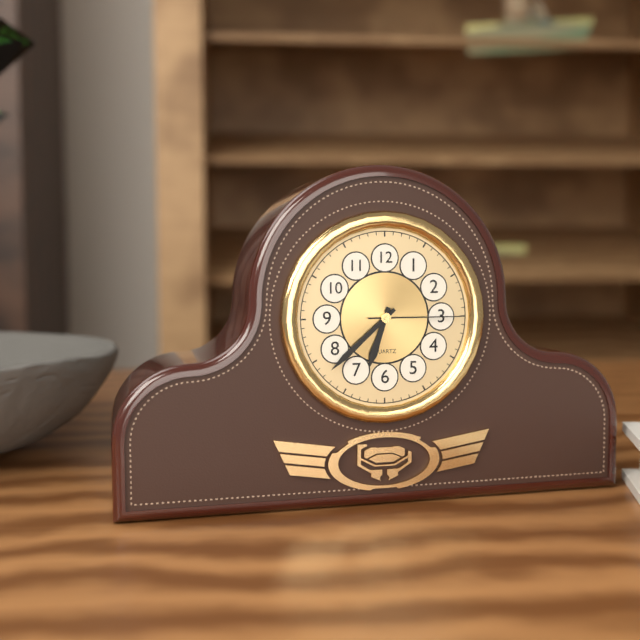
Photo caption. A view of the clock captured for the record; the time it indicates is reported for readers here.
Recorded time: 6:38:15
